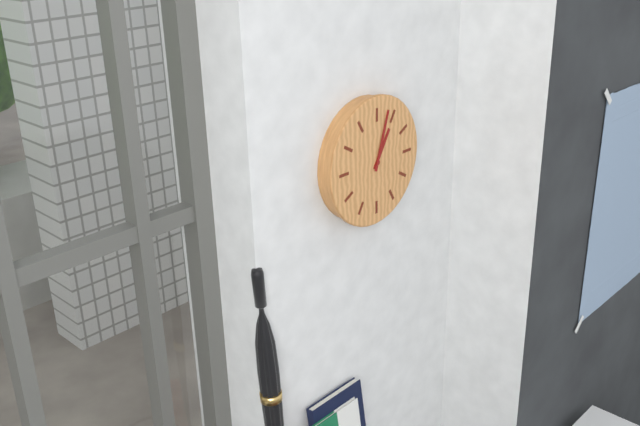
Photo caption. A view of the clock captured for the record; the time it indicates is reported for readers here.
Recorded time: 1:03
